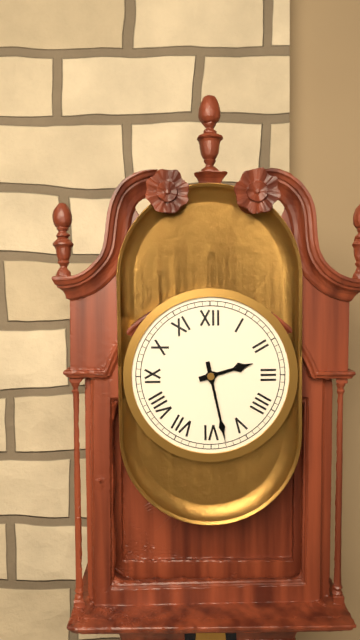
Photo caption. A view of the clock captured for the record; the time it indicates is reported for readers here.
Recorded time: 2:28
